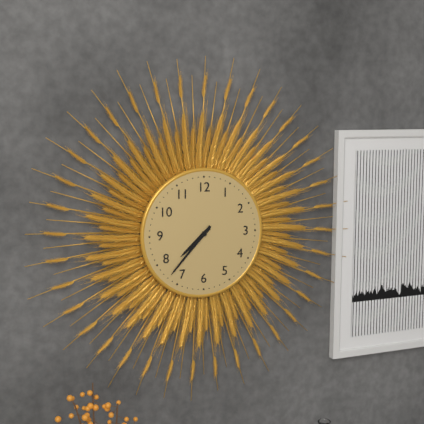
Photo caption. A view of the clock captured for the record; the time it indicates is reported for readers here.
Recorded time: 7:37
